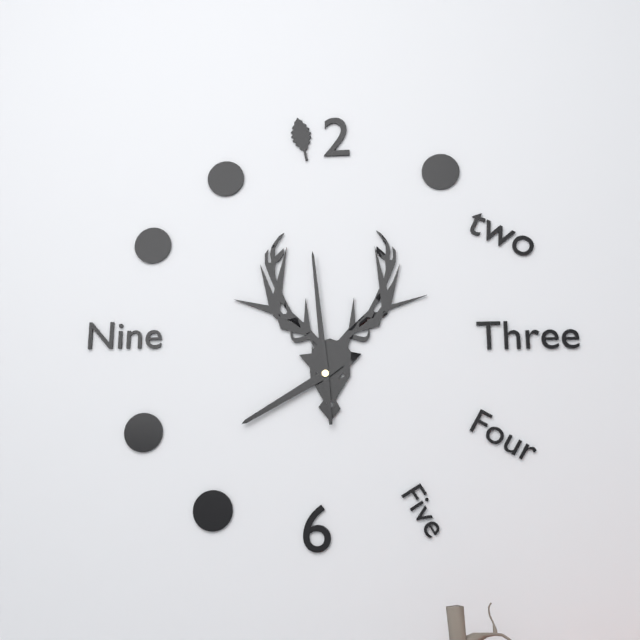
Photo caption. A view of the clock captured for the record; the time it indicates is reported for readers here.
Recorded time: 7:59
